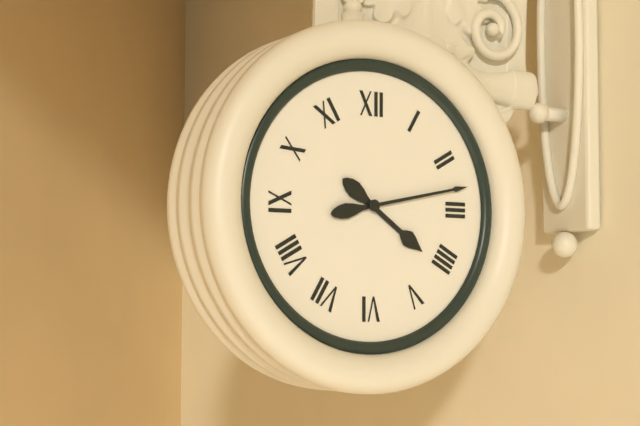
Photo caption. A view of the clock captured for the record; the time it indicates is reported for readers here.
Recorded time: 4:13
